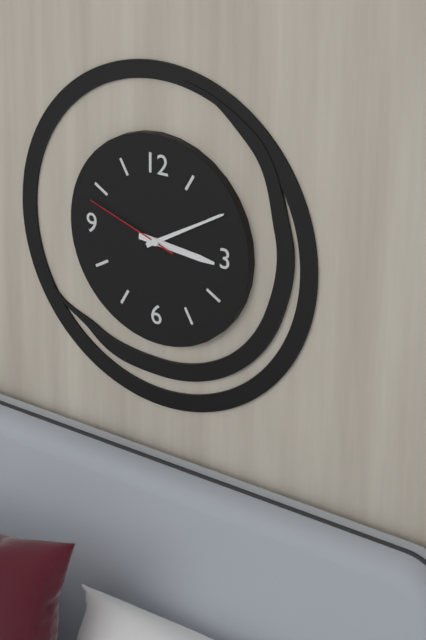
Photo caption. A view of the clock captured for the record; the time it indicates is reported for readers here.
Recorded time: 3:10:48
